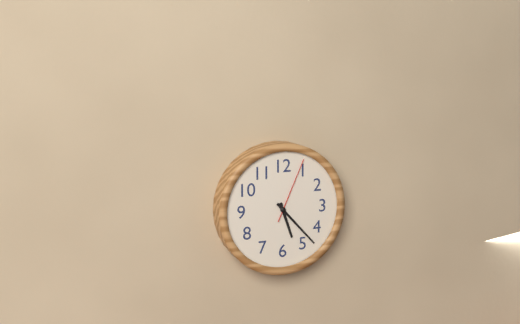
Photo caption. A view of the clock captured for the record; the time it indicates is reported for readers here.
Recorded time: 5:23:04
